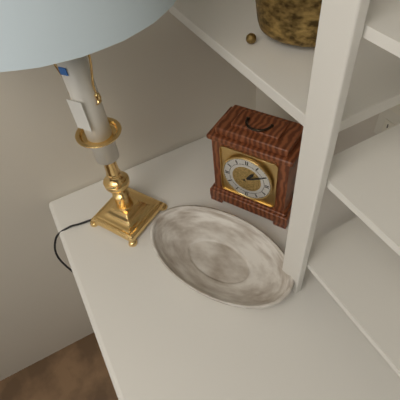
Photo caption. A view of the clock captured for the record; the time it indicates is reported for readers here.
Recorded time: 1:10
